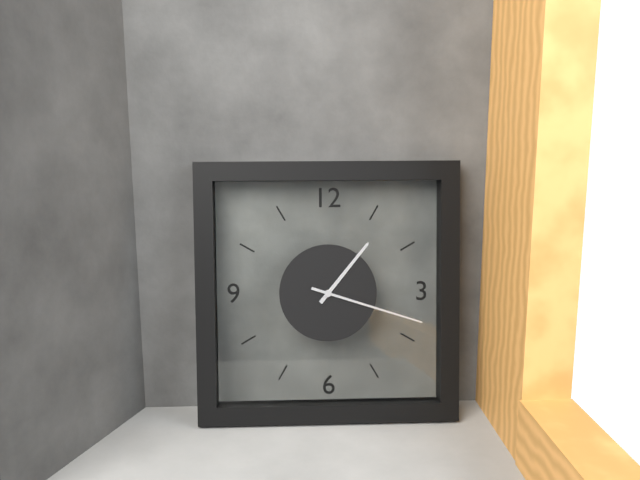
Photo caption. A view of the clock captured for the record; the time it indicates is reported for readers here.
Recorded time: 1:18
